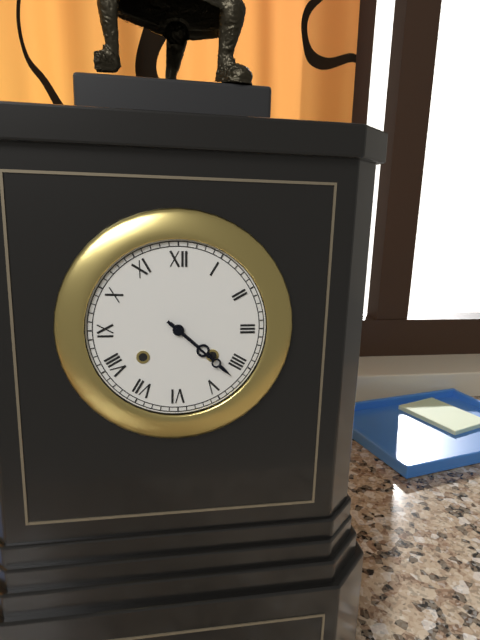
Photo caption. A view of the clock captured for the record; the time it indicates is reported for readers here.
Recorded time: 4:22
